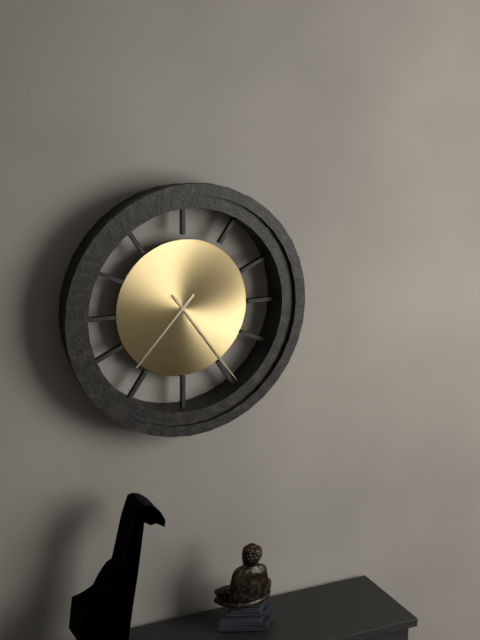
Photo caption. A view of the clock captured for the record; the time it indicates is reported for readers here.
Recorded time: 7:24
